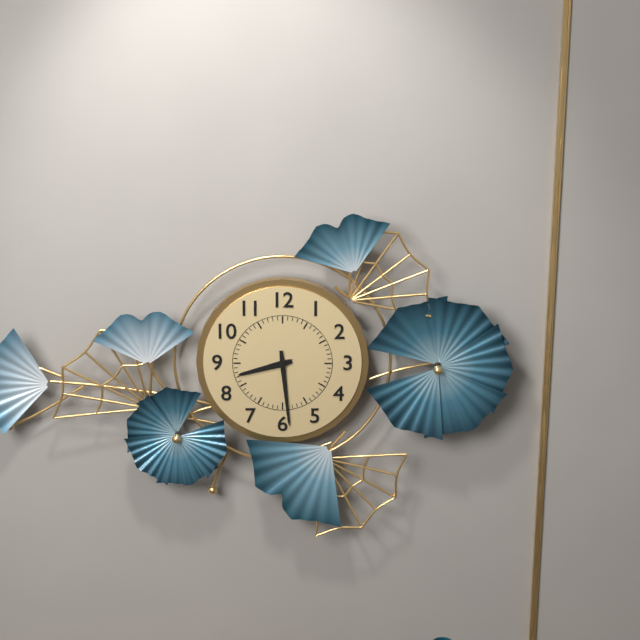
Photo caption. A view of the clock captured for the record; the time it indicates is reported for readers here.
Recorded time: 8:29
